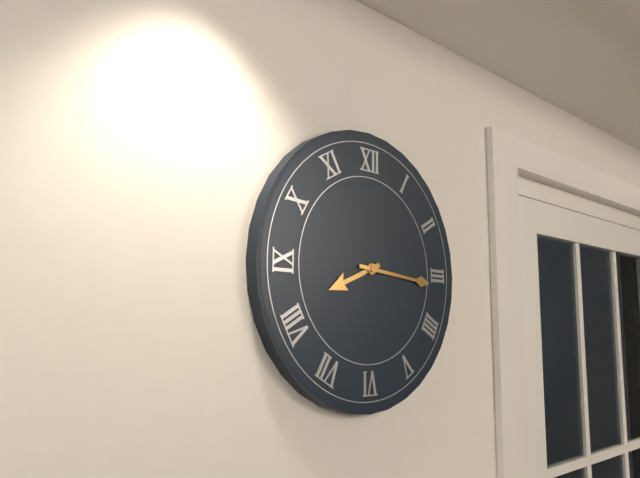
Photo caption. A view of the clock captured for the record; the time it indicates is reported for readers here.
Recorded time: 8:16
